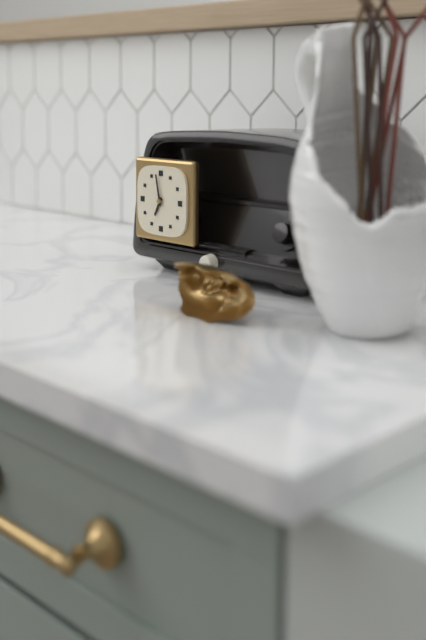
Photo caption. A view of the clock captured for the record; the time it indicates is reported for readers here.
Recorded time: 6:58
